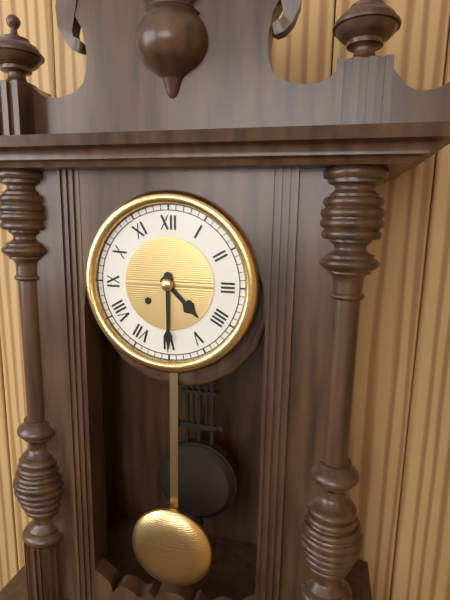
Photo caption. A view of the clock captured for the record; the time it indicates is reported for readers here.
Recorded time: 4:30
